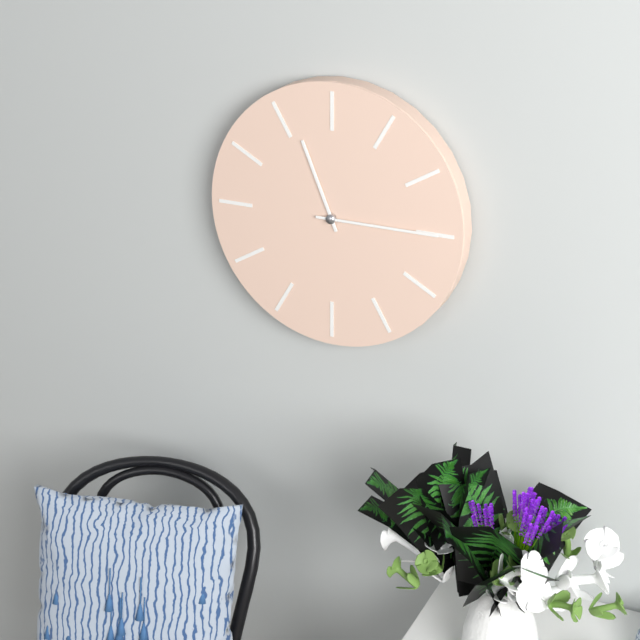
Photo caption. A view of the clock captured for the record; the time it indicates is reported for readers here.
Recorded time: 11:15
